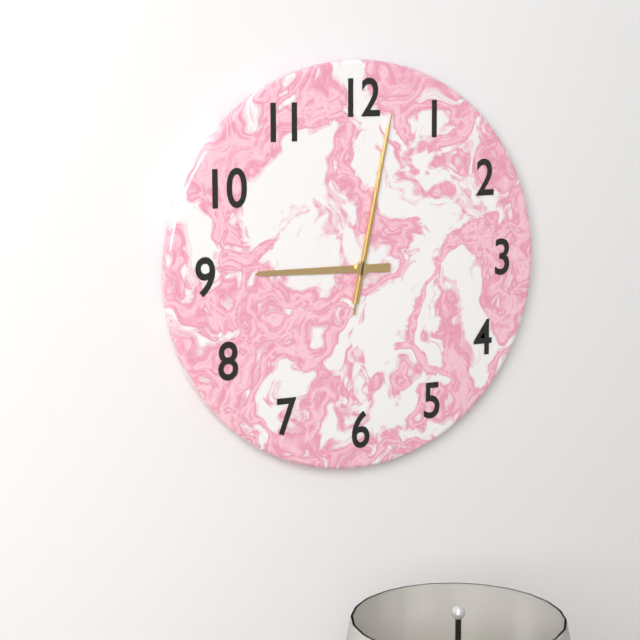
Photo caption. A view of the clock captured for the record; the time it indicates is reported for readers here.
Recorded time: 9:02:02
